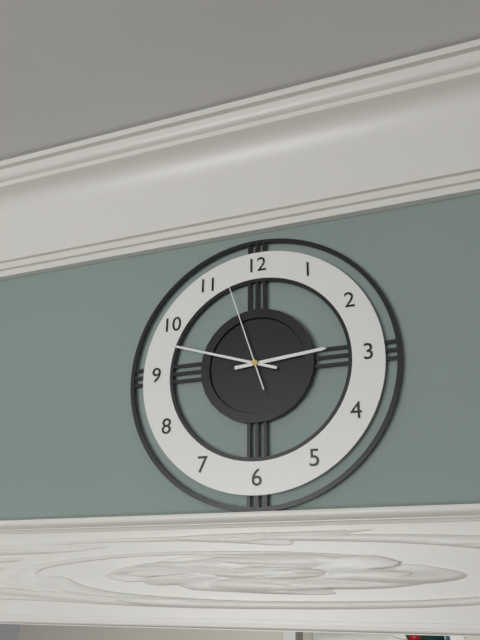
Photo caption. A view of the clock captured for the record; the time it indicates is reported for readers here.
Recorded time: 2:48:57
